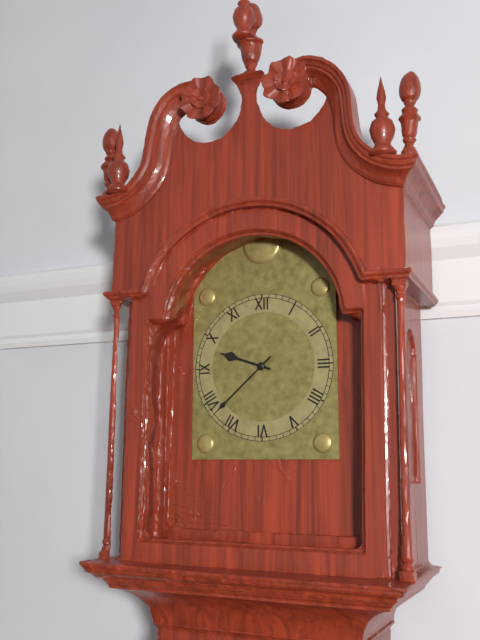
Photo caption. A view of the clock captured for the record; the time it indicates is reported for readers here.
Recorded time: 9:38
